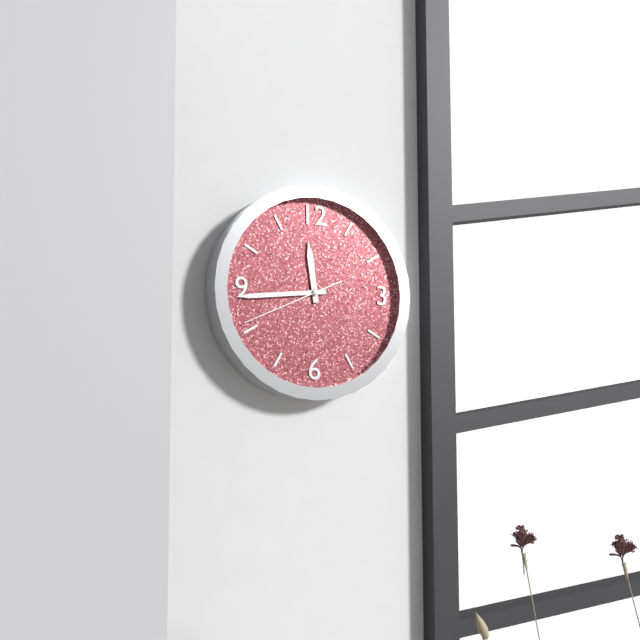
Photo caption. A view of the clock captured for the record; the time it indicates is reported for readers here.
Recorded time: 11:44:41
